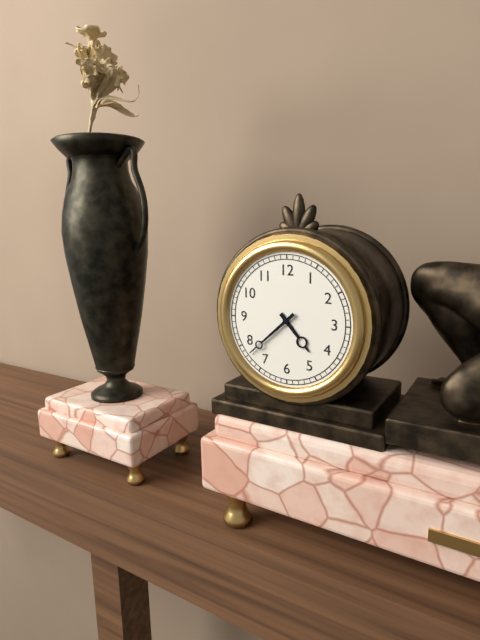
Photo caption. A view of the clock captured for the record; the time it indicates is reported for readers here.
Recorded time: 4:38
